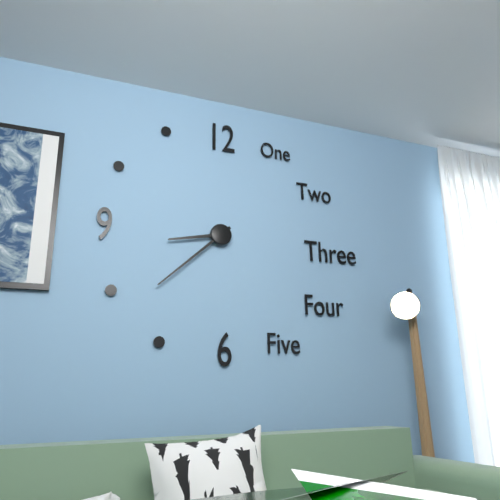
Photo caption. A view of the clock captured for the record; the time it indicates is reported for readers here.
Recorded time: 8:38
